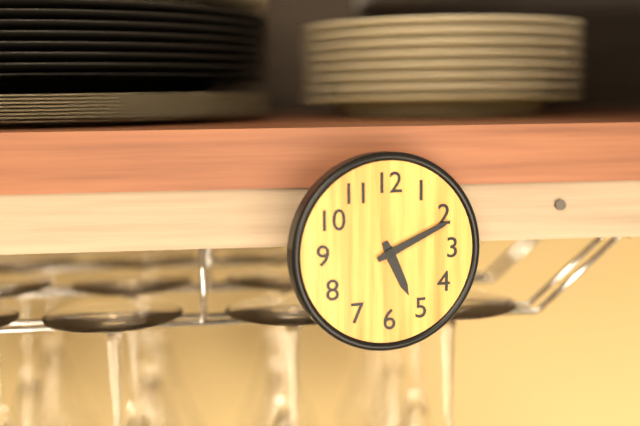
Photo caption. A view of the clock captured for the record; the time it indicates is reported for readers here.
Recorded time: 5:11
